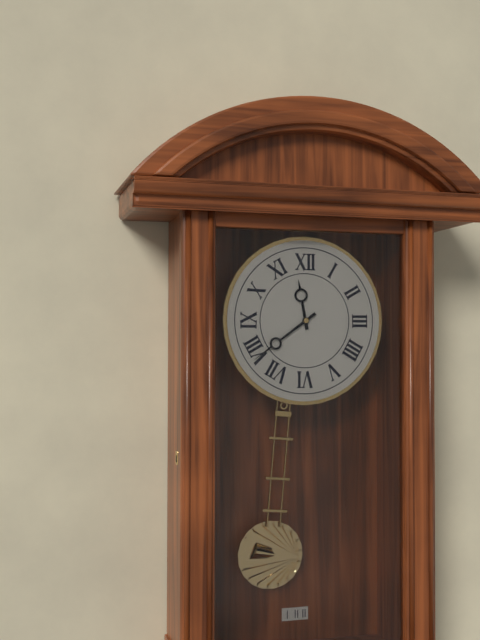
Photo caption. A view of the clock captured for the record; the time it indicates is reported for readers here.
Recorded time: 11:39
